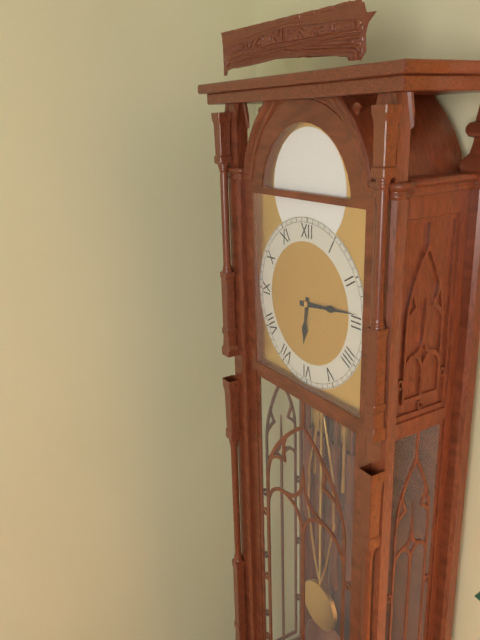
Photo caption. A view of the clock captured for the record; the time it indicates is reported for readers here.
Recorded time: 6:14
